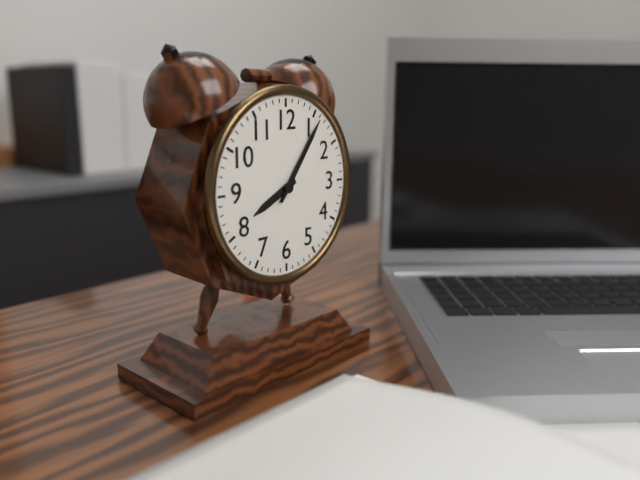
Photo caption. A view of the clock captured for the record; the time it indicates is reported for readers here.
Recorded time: 8:06
